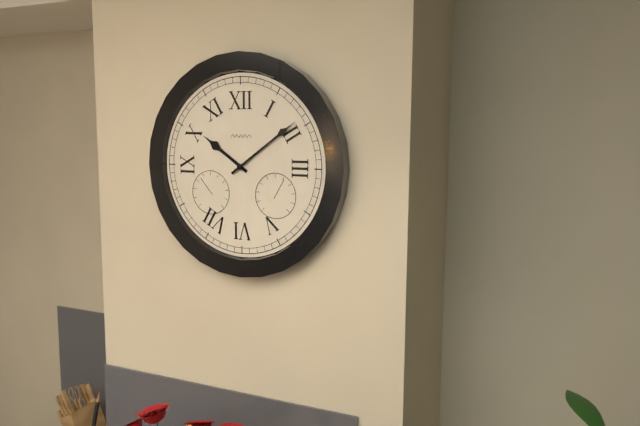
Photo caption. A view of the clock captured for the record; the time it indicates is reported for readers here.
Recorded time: 10:09
